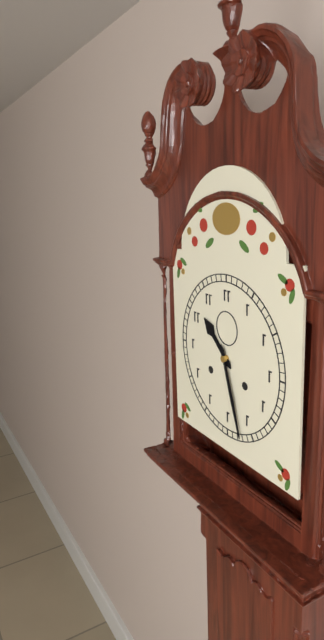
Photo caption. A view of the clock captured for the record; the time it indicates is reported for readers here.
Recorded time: 10:27
